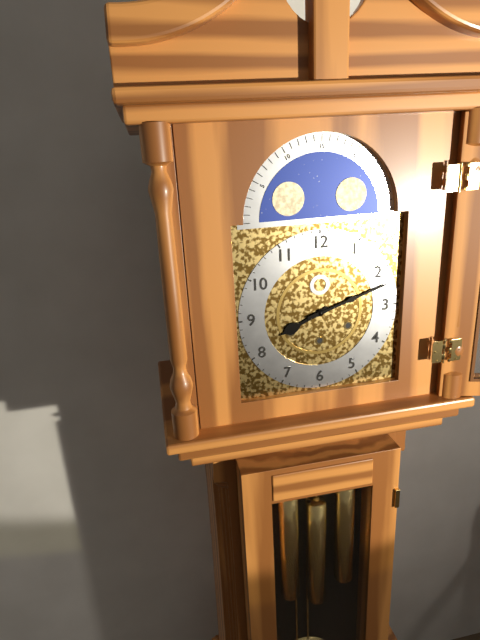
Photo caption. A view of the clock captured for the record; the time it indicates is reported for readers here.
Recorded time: 8:12
